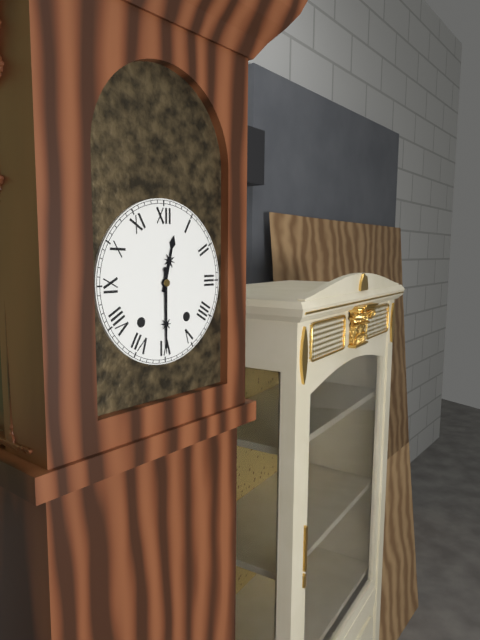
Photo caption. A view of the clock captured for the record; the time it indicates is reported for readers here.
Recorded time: 12:30
